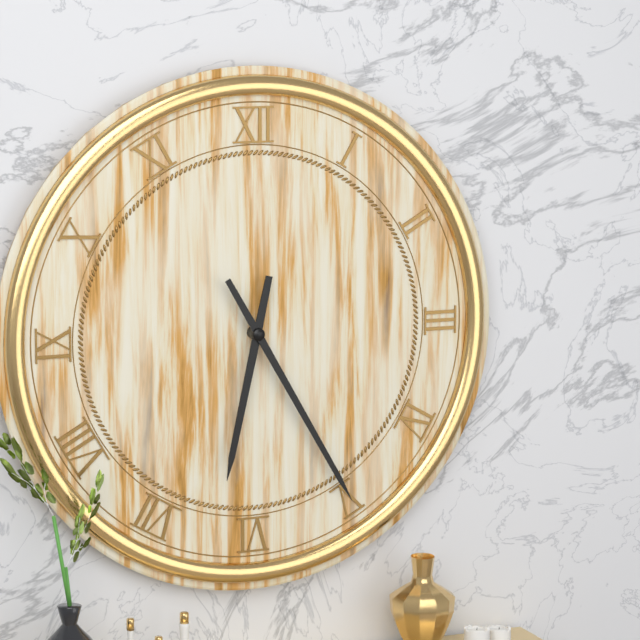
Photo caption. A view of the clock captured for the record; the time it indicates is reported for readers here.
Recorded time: 6:25
